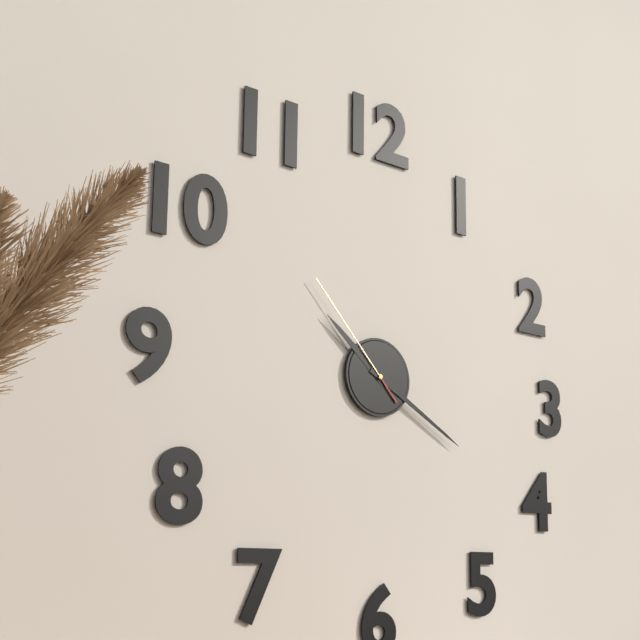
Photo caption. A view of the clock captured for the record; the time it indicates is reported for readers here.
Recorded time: 10:20:53
